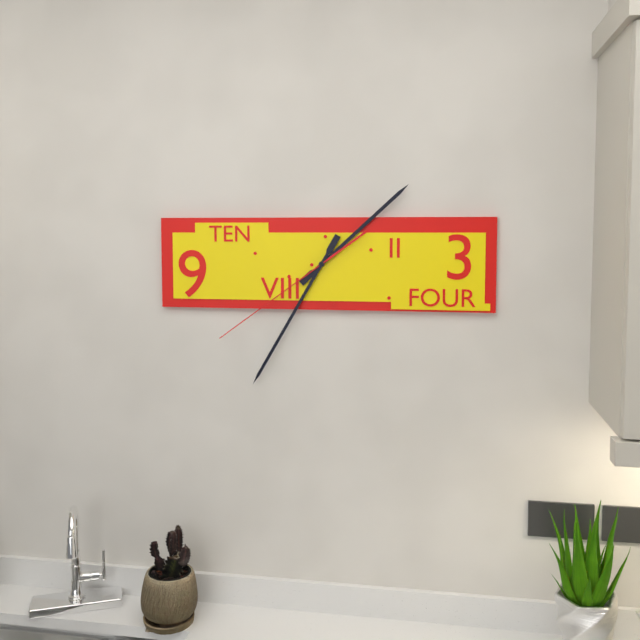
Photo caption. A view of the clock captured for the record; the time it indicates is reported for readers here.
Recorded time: 1:35:39
